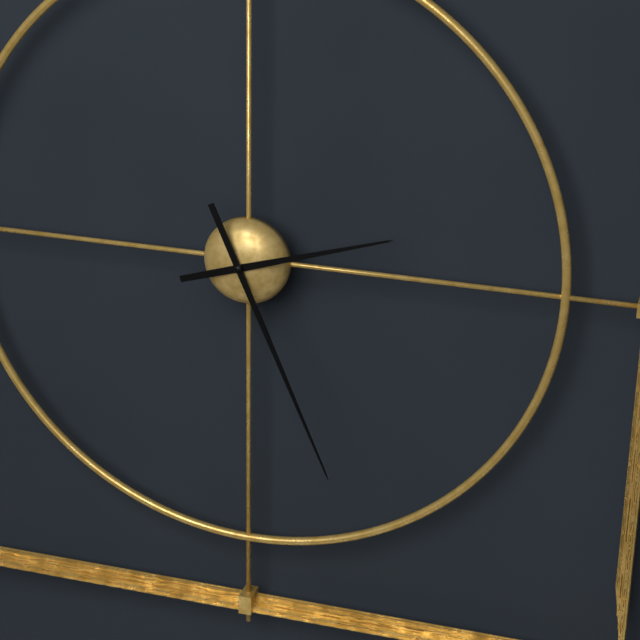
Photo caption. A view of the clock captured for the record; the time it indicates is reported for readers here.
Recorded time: 2:26
